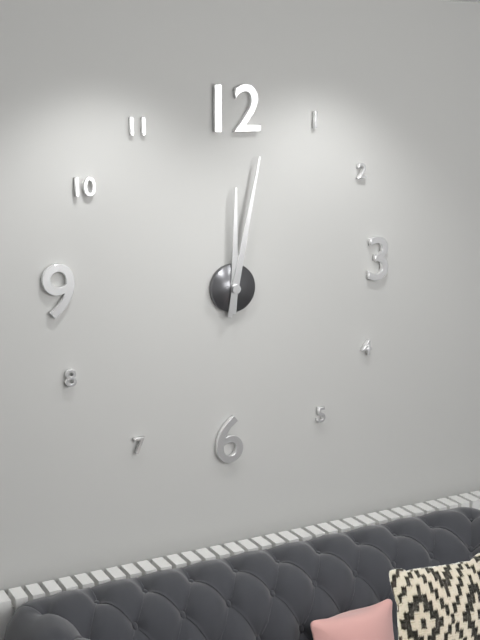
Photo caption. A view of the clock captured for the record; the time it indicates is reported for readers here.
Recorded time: 12:02
